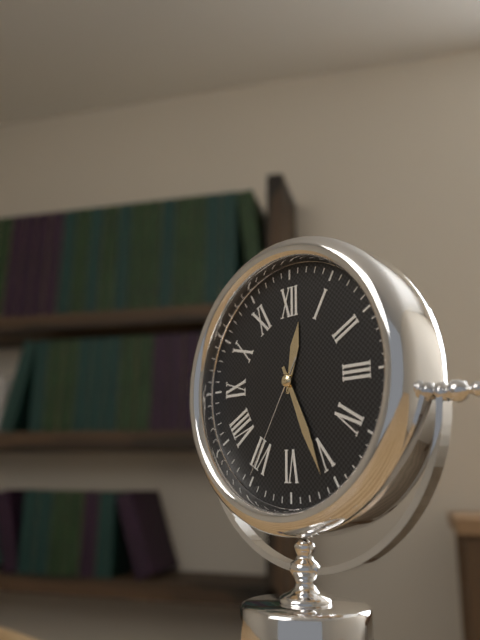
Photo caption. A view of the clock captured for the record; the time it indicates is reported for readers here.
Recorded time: 12:26:35
